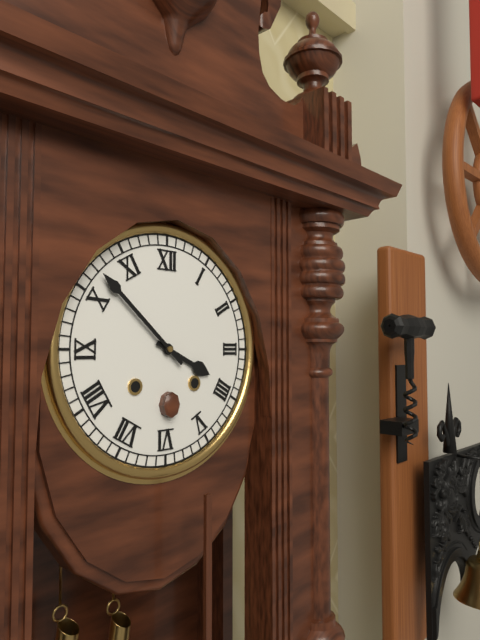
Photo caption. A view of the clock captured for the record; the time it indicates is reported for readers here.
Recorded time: 3:52
